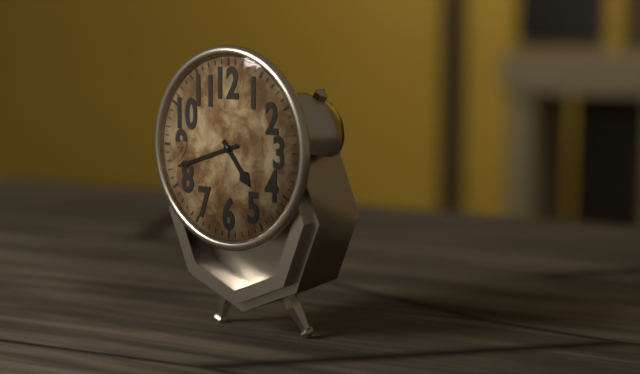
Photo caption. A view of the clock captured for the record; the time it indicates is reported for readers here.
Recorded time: 4:42
